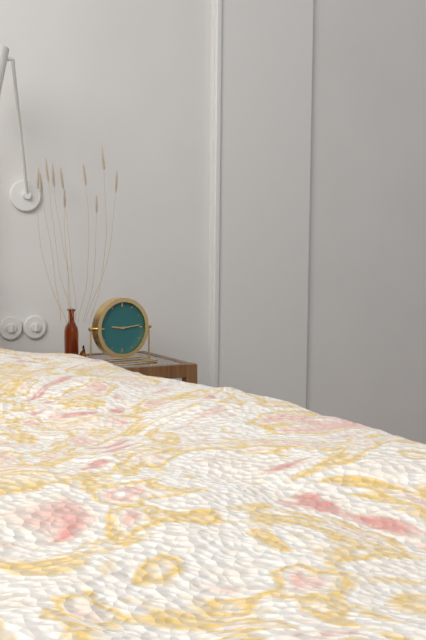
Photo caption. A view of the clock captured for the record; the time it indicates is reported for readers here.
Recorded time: 9:14
